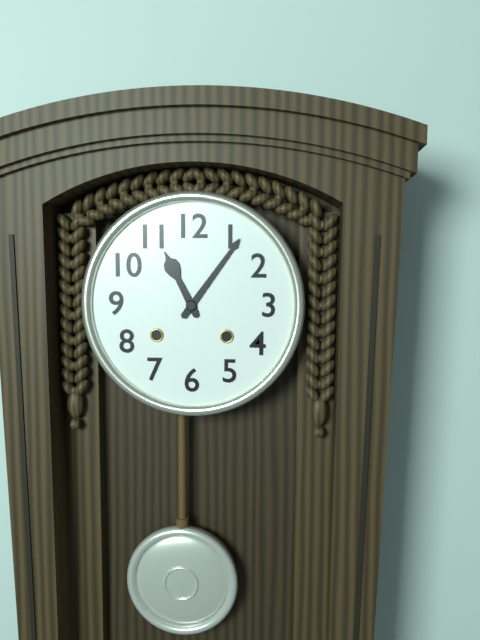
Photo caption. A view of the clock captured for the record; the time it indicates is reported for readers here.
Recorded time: 11:06
